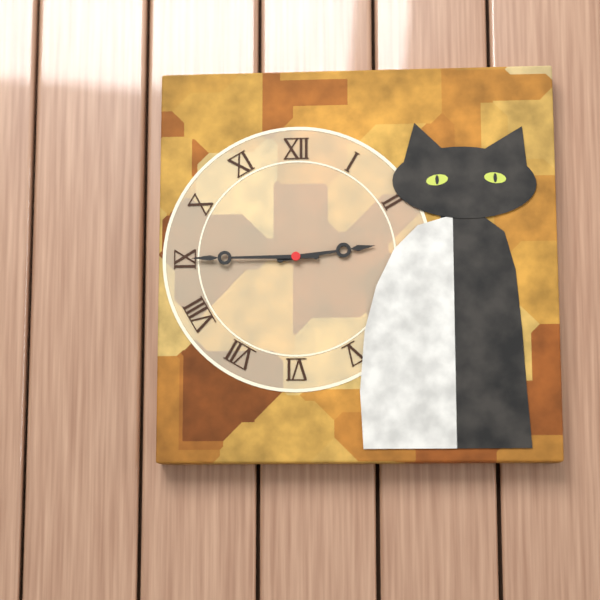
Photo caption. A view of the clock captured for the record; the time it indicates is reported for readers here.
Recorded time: 2:45
